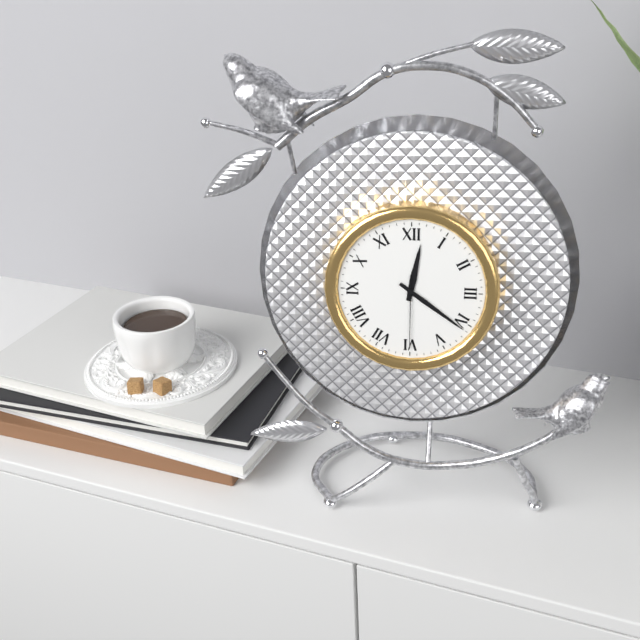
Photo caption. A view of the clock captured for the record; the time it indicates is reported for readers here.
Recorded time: 12:21:30
